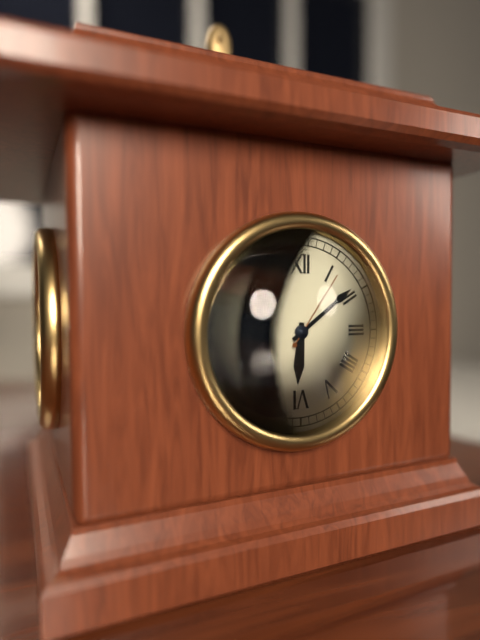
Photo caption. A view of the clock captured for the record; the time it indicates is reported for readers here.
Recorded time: 6:09:06
